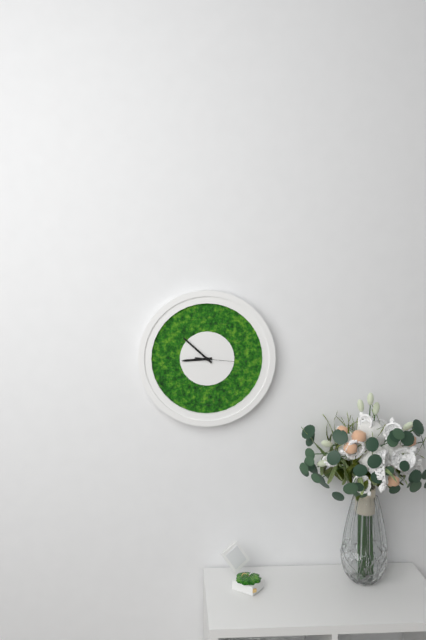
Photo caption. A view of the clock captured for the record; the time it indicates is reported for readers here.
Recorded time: 8:52
